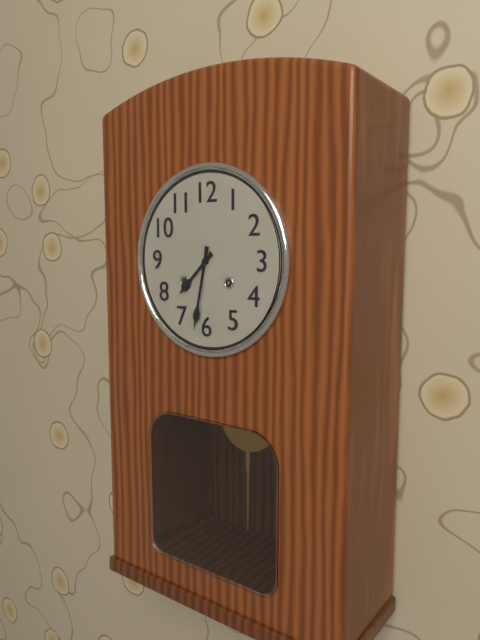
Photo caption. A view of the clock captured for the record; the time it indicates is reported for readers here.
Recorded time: 7:32
